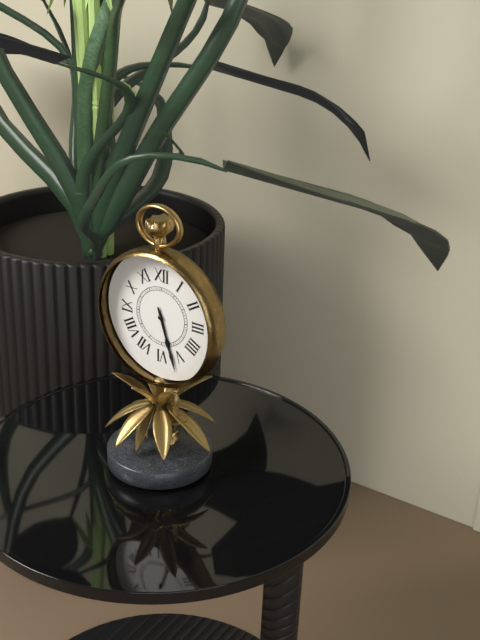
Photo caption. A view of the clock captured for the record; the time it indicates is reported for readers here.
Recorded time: 5:27
